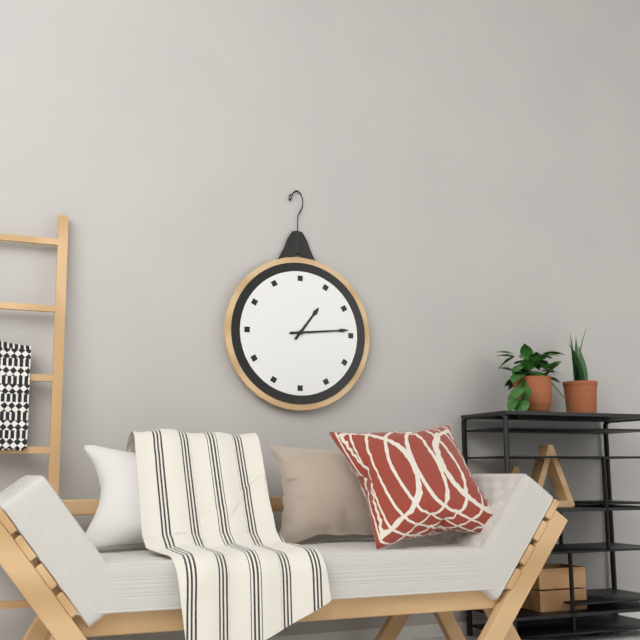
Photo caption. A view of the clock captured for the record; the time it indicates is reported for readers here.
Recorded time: 1:14
